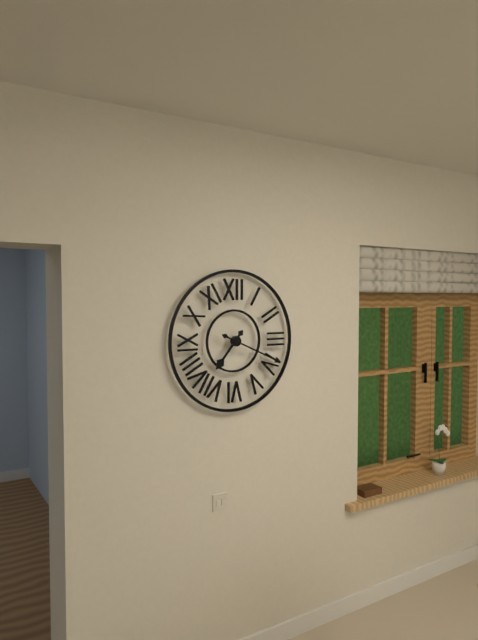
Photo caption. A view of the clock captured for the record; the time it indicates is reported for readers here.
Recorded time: 7:19
